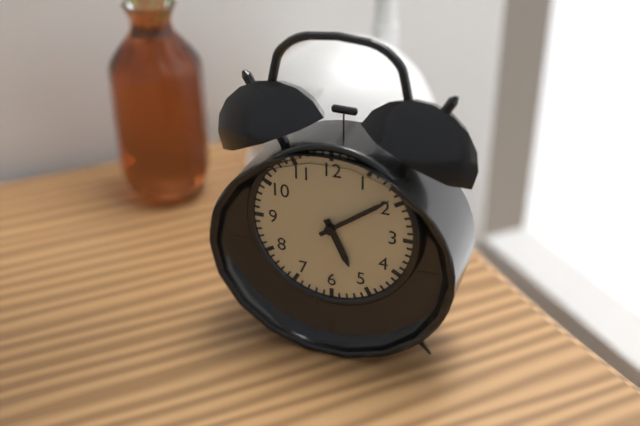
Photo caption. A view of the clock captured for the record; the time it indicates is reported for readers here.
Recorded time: 5:09
